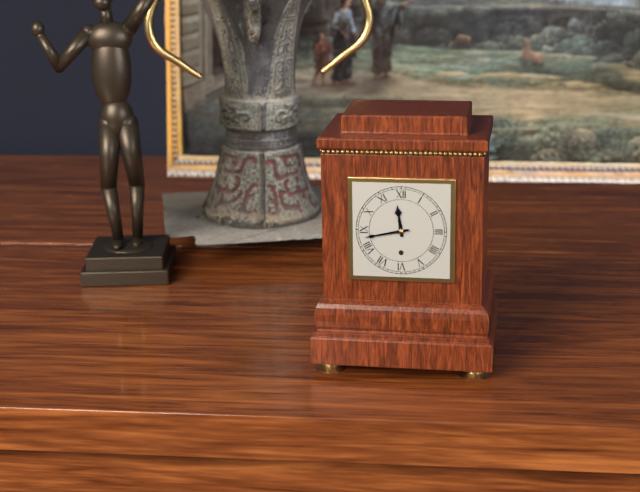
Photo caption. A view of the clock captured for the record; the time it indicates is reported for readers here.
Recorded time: 11:43
